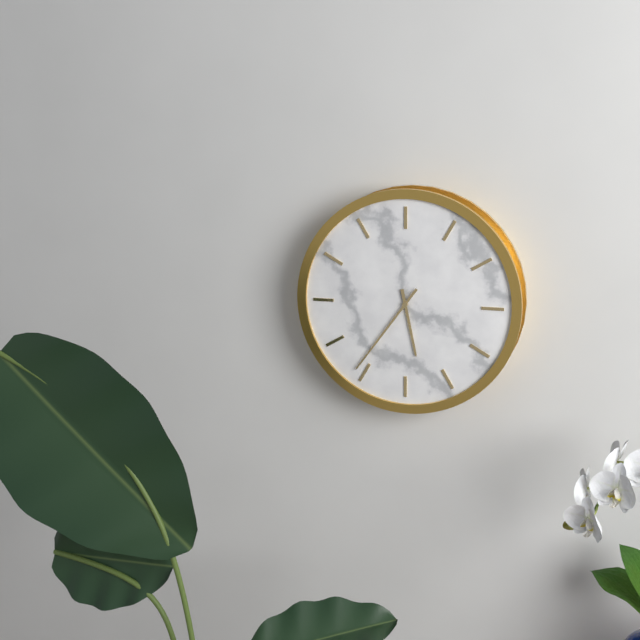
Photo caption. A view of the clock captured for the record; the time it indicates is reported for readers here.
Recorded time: 5:36
